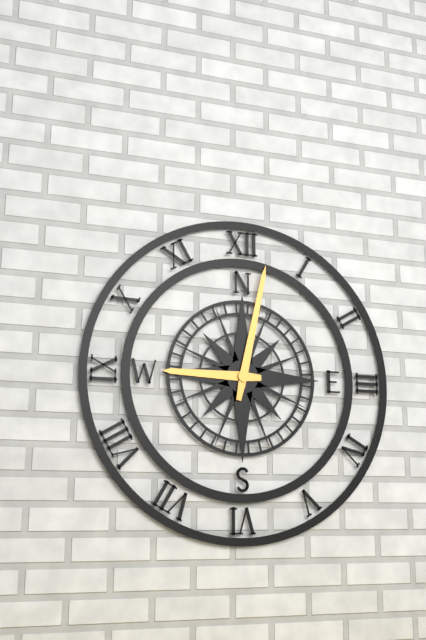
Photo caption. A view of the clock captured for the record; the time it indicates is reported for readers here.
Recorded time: 9:02
